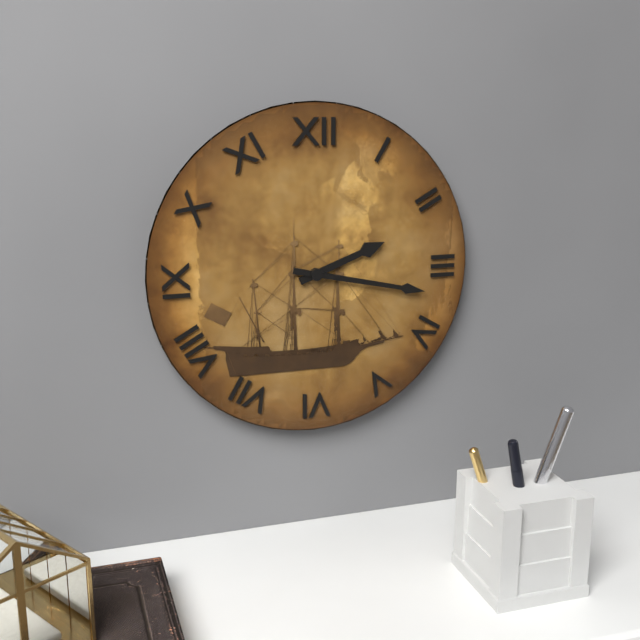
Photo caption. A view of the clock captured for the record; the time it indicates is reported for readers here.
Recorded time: 2:17
